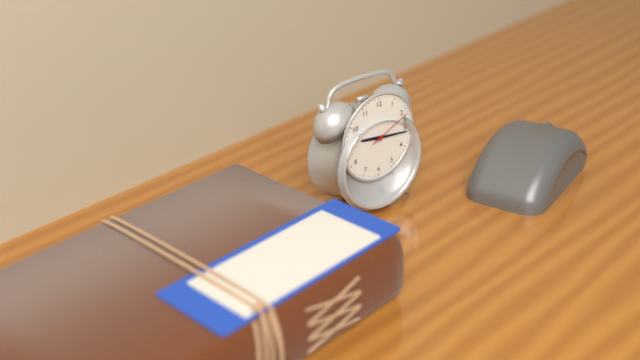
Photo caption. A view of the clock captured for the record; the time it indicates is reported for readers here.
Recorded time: 9:16
